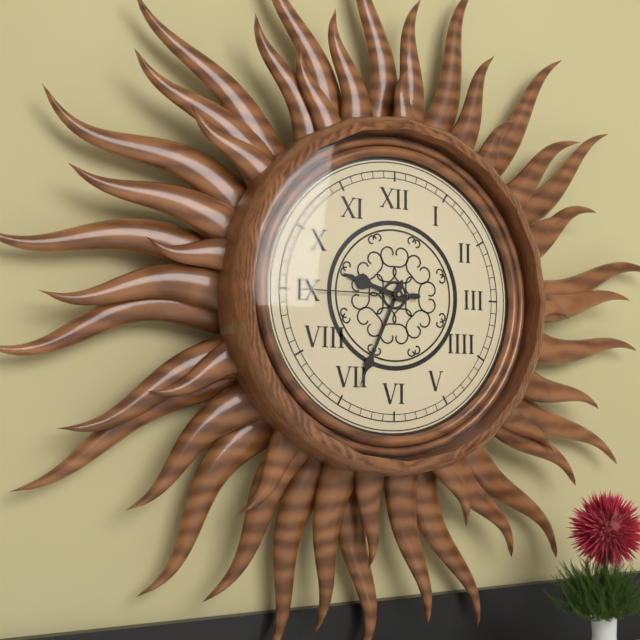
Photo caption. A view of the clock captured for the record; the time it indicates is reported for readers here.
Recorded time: 9:34:45
